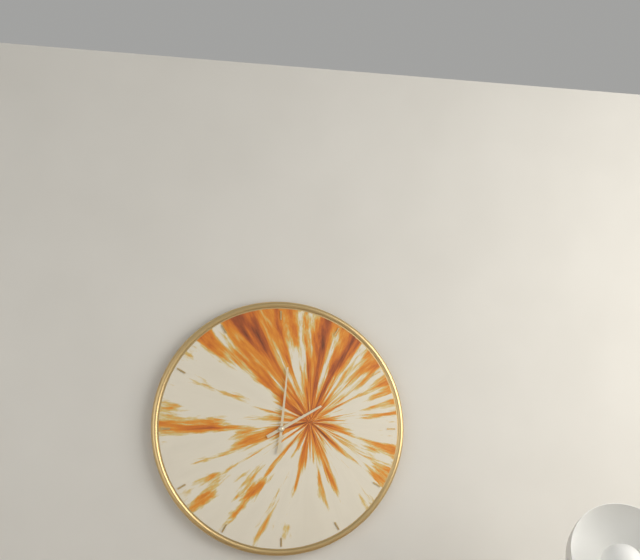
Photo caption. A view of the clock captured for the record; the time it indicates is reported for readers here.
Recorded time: 2:01
